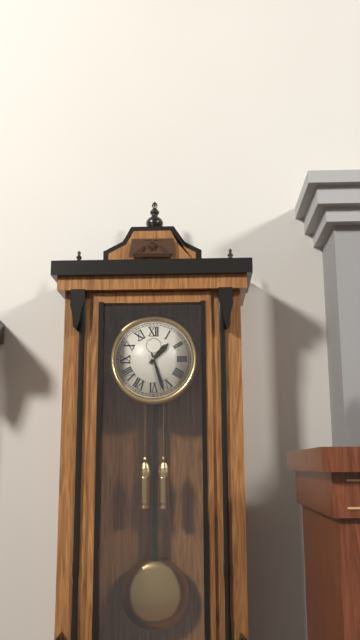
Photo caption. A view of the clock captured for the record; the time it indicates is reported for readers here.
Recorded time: 1:27
